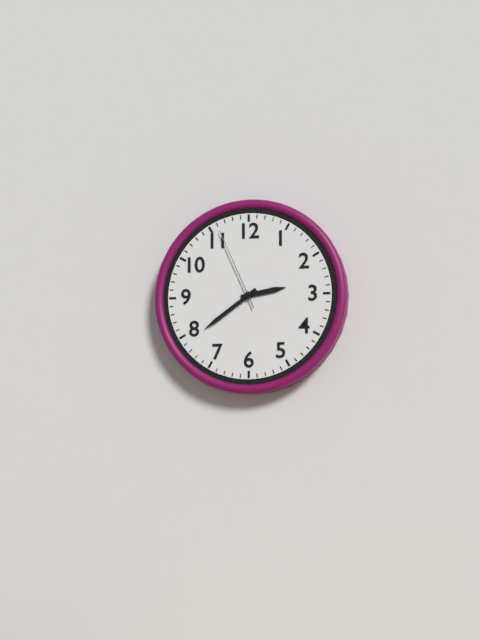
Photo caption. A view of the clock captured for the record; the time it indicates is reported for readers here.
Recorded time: 2:39:56
